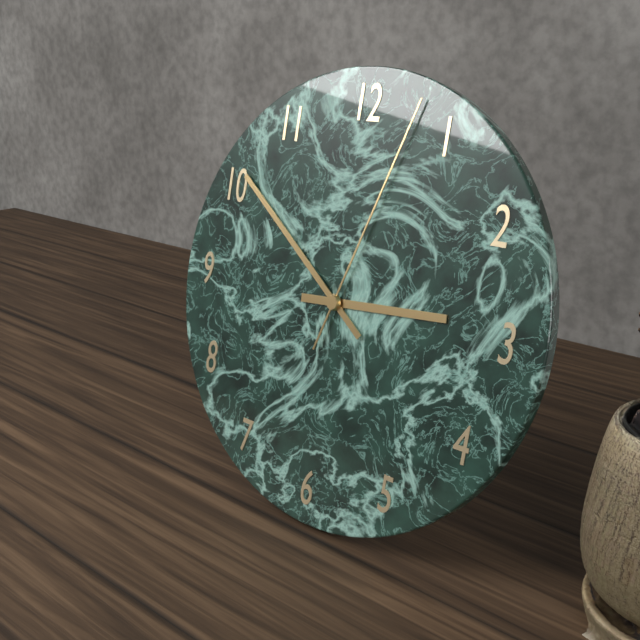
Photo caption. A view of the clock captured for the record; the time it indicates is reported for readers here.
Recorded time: 2:51:03
